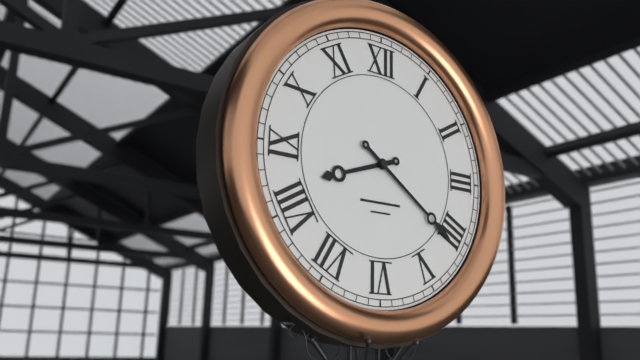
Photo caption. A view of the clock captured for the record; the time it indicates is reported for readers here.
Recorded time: 8:21
